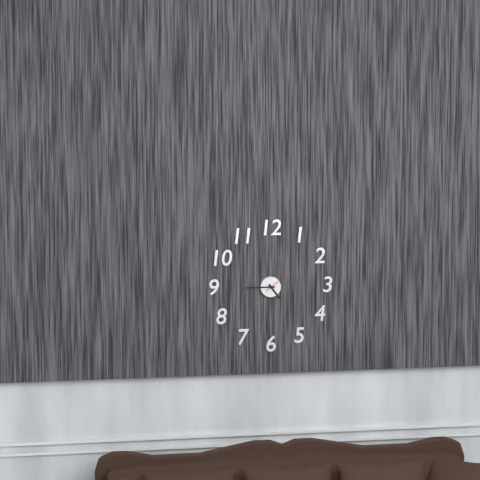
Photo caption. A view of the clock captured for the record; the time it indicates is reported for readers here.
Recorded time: 4:45
